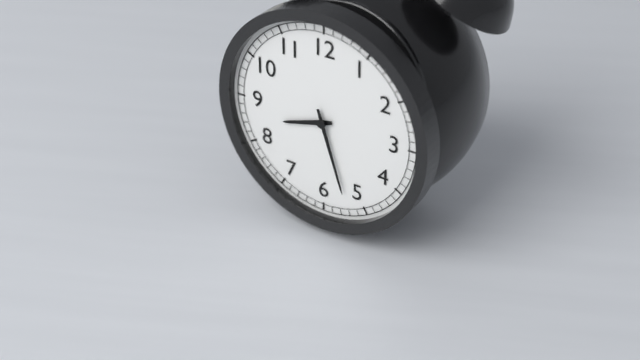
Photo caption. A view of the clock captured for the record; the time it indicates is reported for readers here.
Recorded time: 8:27
